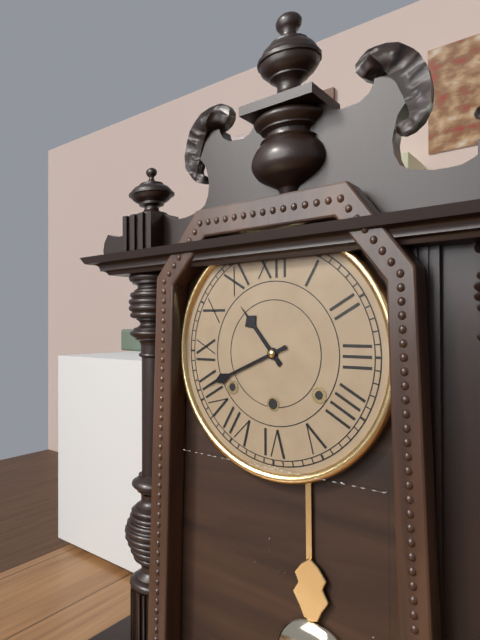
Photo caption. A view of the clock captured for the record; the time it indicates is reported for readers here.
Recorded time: 10:41
